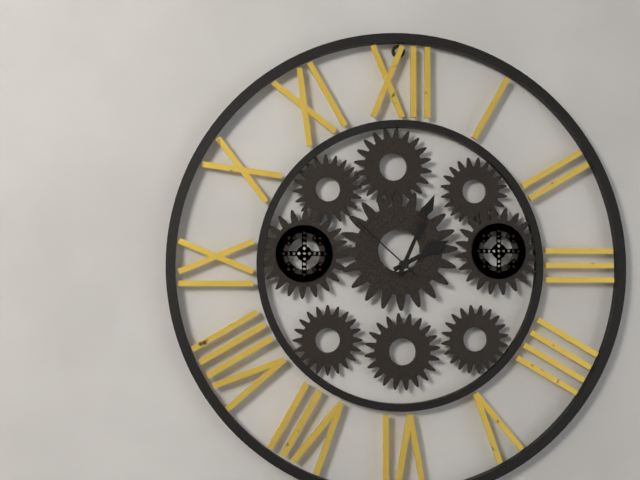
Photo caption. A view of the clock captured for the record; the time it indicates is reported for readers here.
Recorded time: 2:04:52
